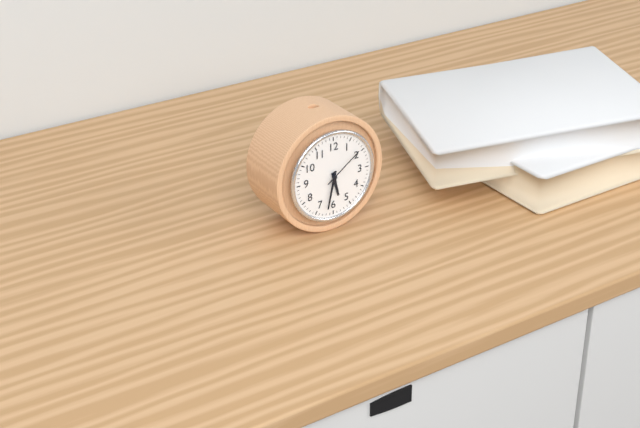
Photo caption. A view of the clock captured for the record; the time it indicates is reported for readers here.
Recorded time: 5:32
